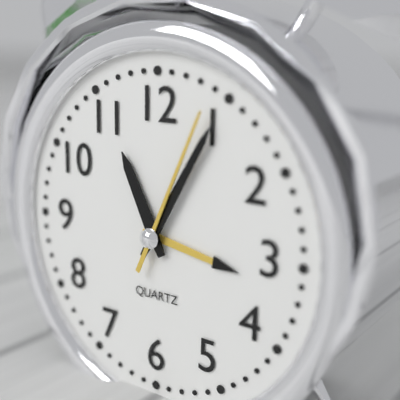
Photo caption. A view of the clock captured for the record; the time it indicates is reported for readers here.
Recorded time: 11:05:04
